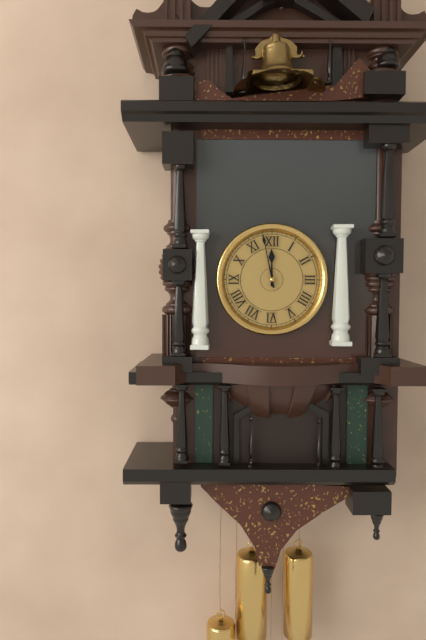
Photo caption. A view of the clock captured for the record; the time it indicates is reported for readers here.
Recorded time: 11:58
